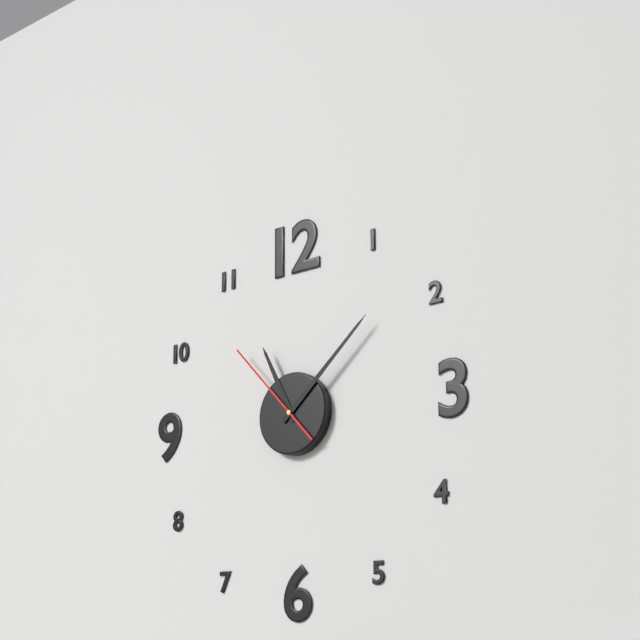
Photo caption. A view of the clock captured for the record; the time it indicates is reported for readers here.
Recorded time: 11:08:53
